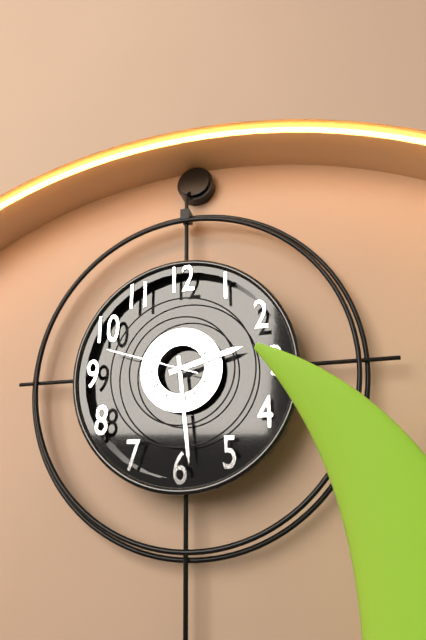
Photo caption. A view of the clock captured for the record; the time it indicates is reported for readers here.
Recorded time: 2:29:48
